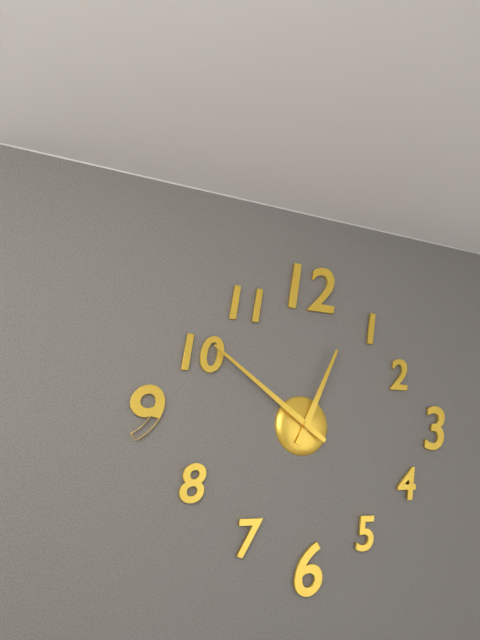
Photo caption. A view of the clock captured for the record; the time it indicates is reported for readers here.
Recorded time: 12:51
